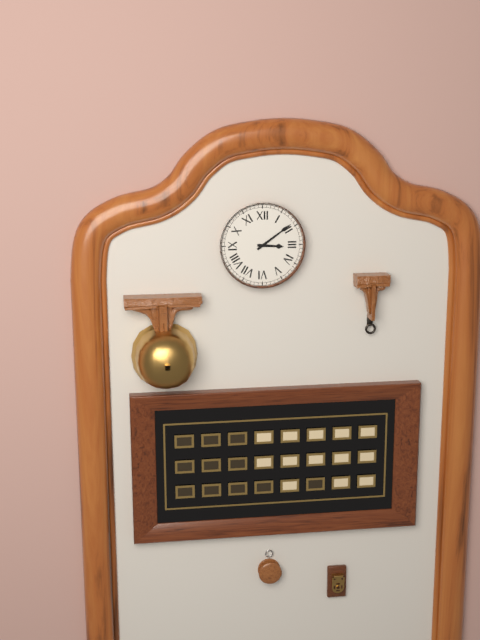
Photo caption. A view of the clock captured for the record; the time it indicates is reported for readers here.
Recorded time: 3:09
